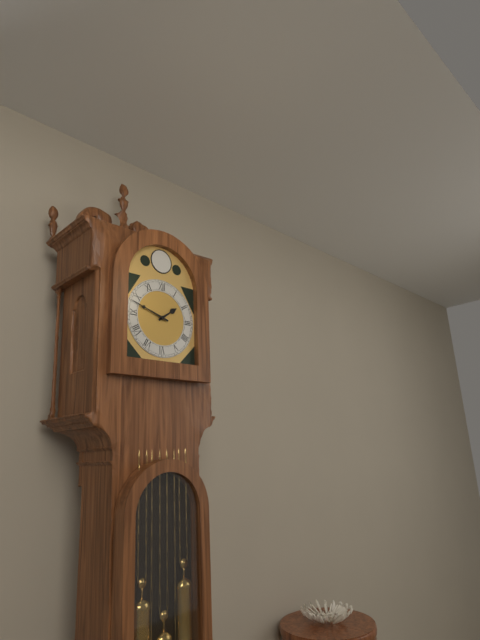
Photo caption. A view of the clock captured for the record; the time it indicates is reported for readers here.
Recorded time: 1:48
